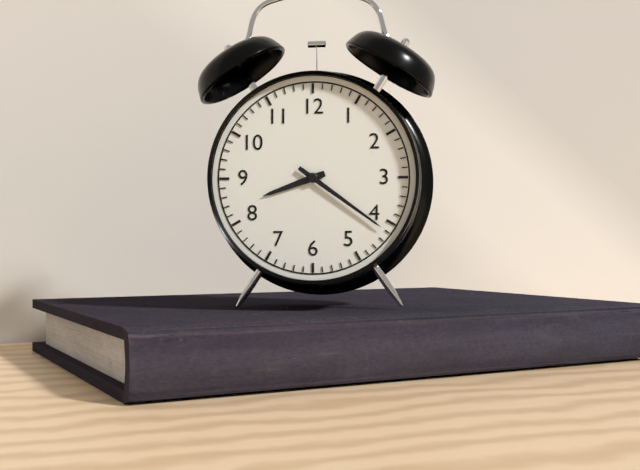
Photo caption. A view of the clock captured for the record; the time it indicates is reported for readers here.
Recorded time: 8:21
